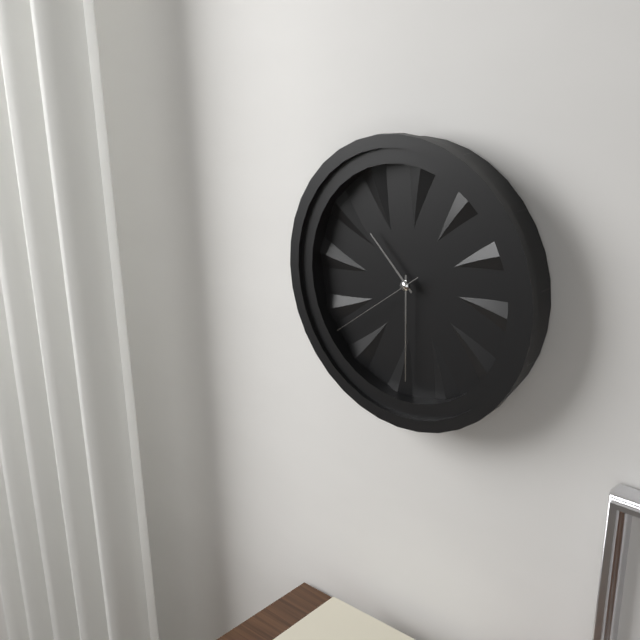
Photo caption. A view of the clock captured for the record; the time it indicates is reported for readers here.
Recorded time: 10:30:39
